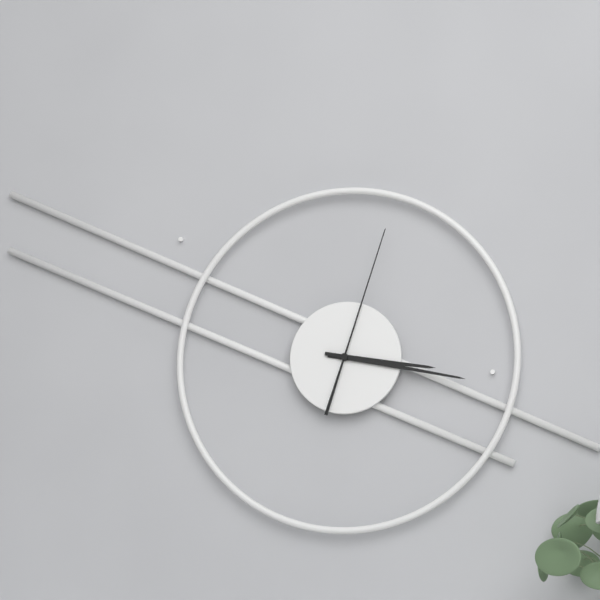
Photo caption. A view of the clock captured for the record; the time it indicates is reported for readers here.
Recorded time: 3:17:03
